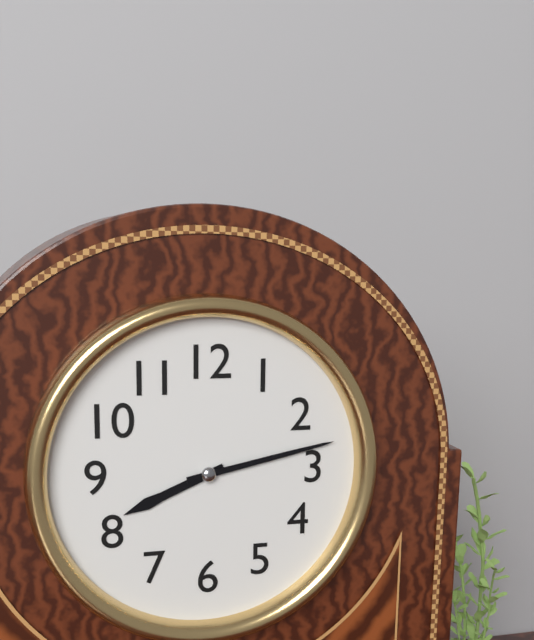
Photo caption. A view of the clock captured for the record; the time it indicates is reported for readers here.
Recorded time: 8:13
